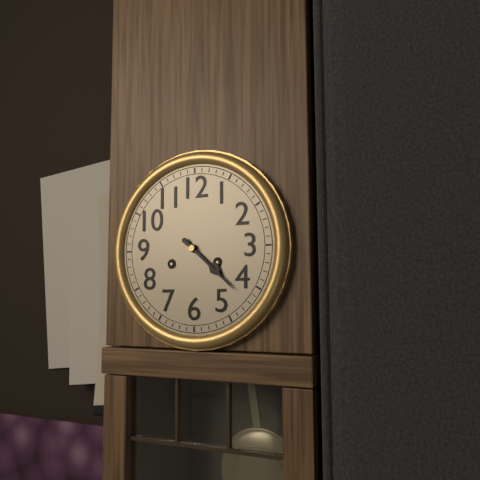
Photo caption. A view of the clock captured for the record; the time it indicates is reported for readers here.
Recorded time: 4:22
